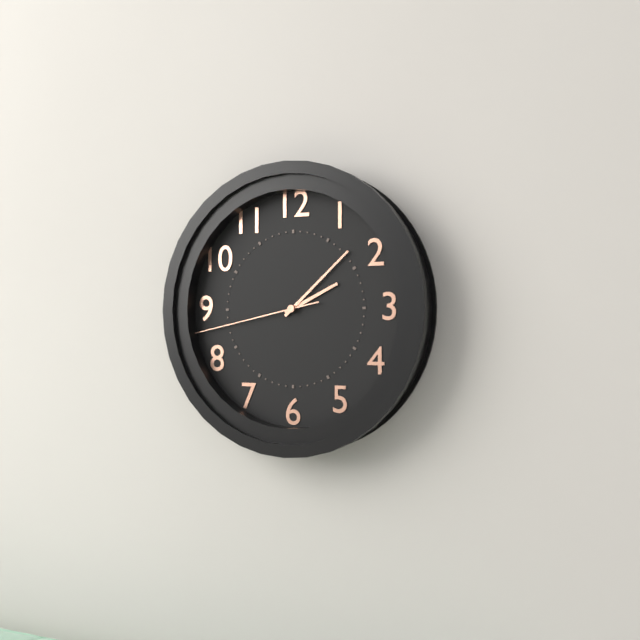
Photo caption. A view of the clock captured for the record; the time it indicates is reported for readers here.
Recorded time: 2:08:43
